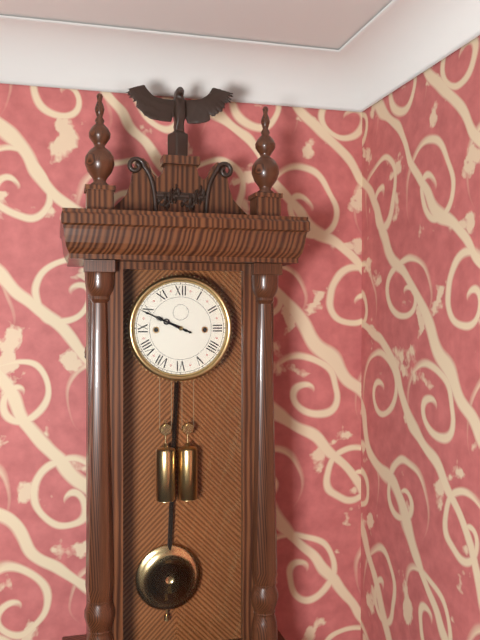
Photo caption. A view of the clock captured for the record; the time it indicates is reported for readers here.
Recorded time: 9:49
